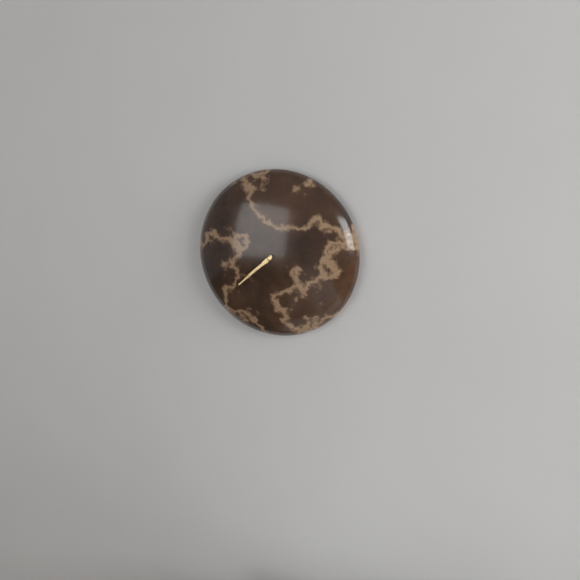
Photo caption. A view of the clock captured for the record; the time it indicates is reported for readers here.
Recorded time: 7:38
